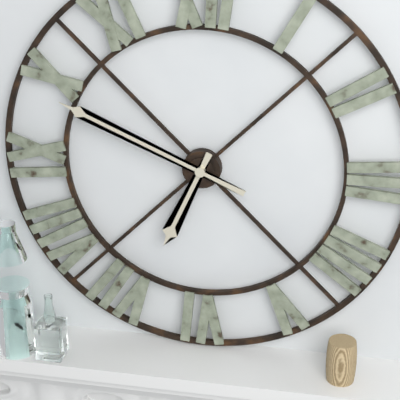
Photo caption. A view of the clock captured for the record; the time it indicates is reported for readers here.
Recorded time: 6:49
